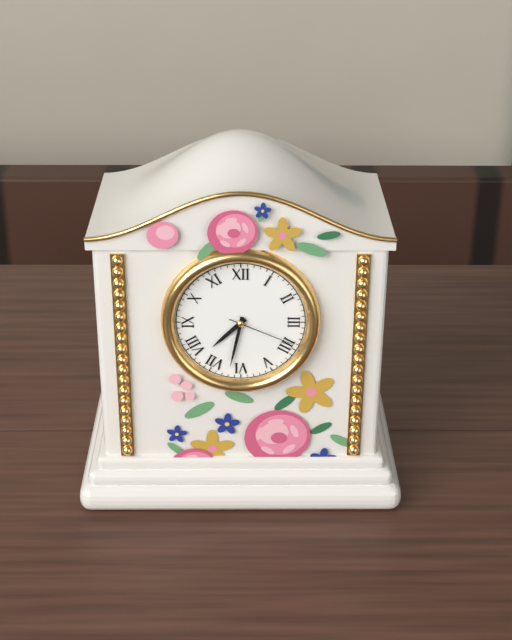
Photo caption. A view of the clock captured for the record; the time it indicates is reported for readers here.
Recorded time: 7:32:19
